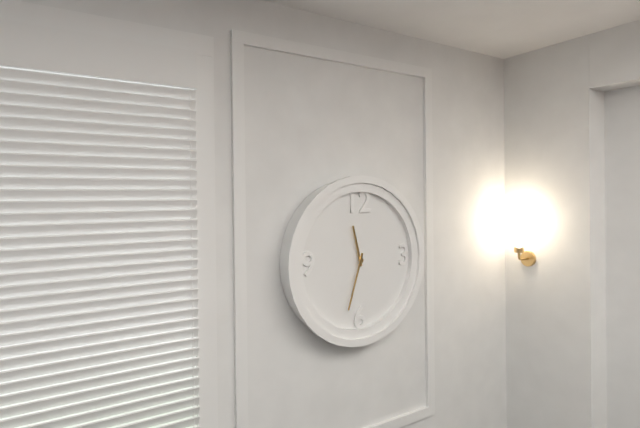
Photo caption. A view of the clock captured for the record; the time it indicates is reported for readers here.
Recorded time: 11:33
